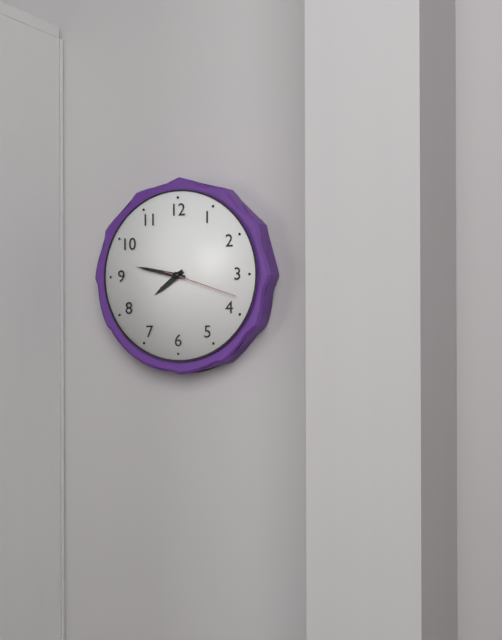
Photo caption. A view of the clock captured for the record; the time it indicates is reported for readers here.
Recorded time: 7:47:18
